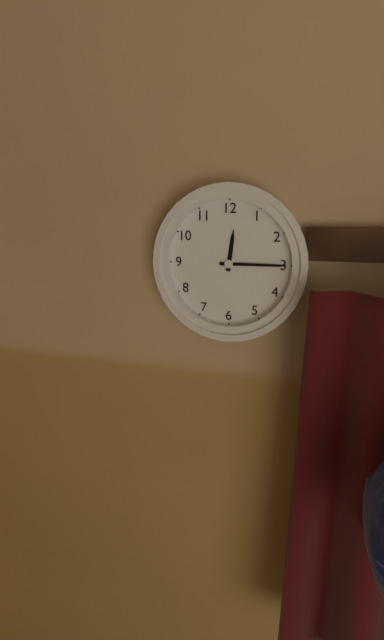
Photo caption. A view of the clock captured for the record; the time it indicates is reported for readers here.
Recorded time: 12:15
